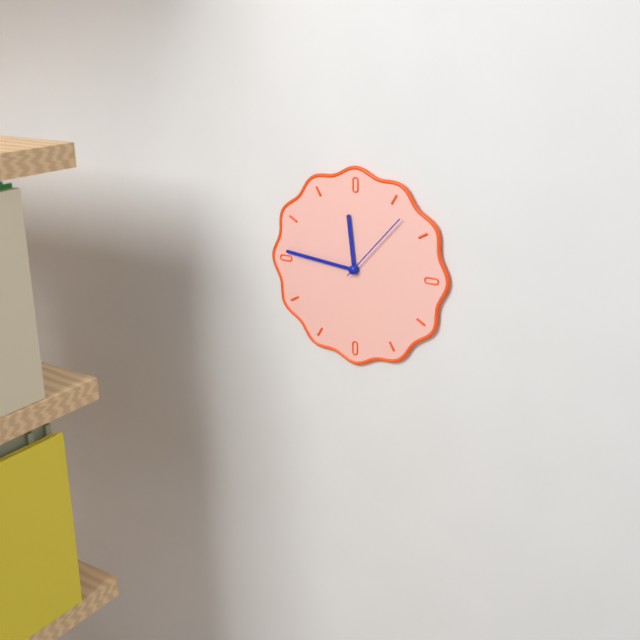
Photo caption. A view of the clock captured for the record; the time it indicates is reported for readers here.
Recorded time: 11:46:07
